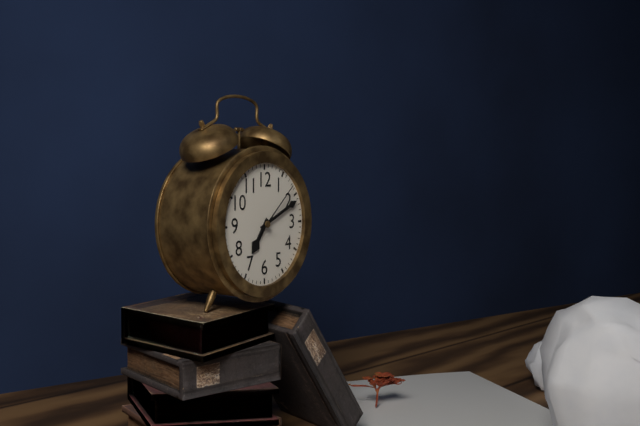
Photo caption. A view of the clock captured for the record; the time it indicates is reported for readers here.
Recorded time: 7:11:08
